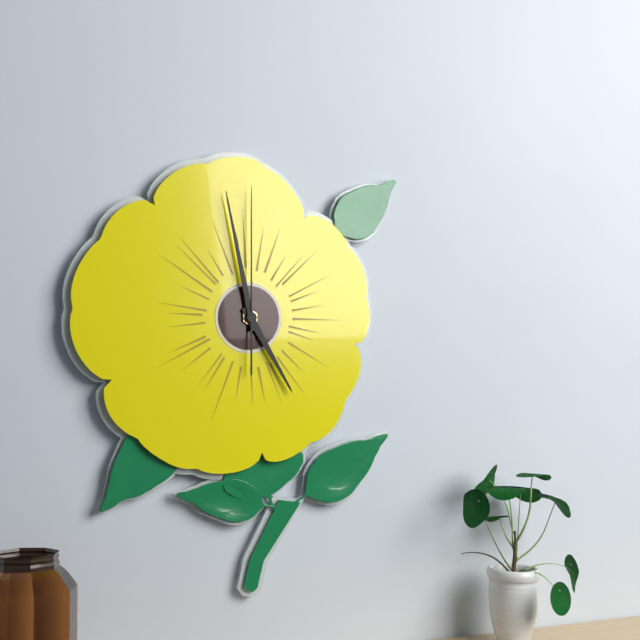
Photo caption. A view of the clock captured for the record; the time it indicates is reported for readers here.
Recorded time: 4:58:00
